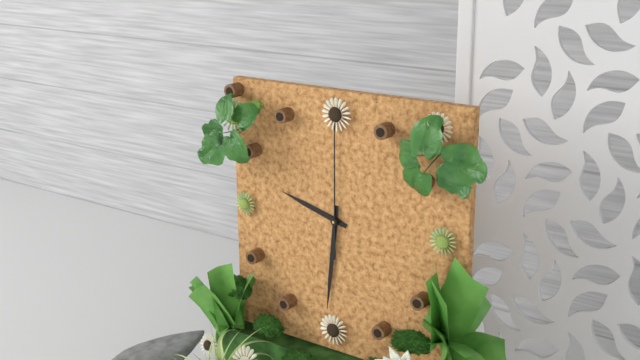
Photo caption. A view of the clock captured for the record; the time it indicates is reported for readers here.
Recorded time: 9:31:00
